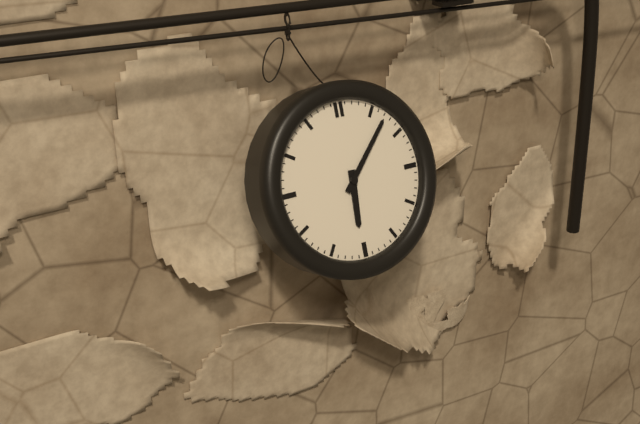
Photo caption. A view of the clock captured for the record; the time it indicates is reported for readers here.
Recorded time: 6:07
